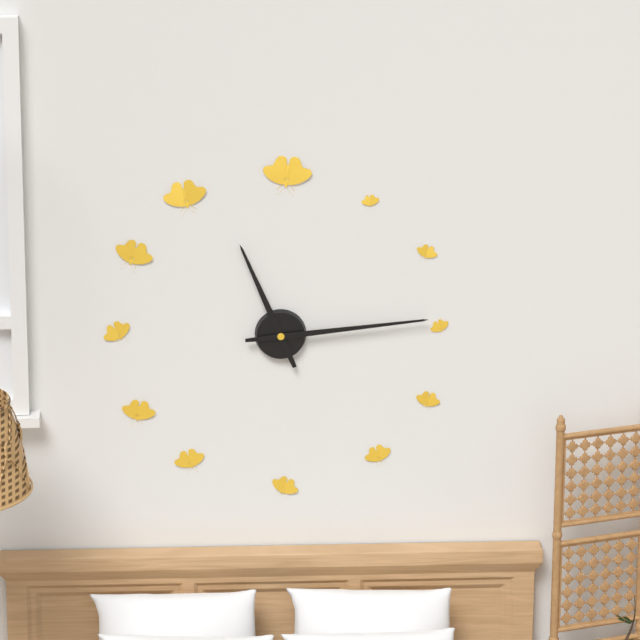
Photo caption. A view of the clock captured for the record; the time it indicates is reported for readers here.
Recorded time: 11:14
